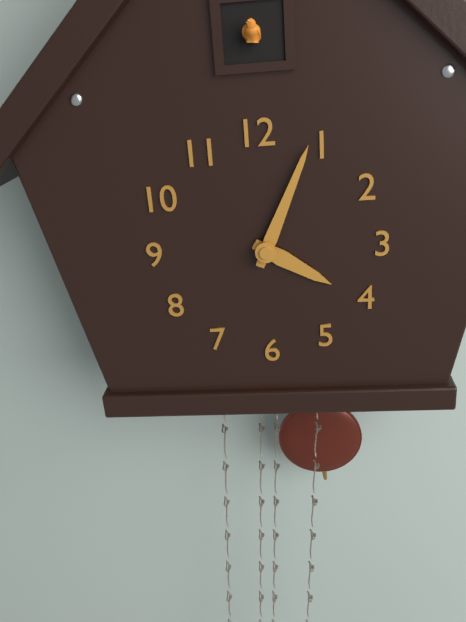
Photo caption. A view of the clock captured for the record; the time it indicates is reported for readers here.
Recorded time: 4:04
